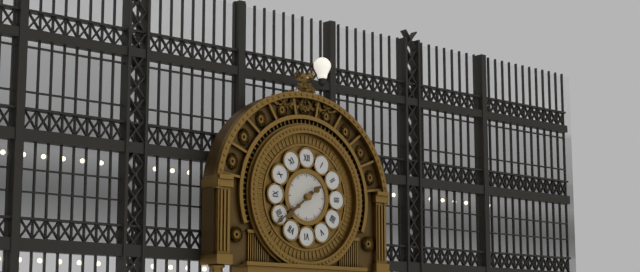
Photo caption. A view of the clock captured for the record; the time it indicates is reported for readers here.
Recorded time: 7:39
